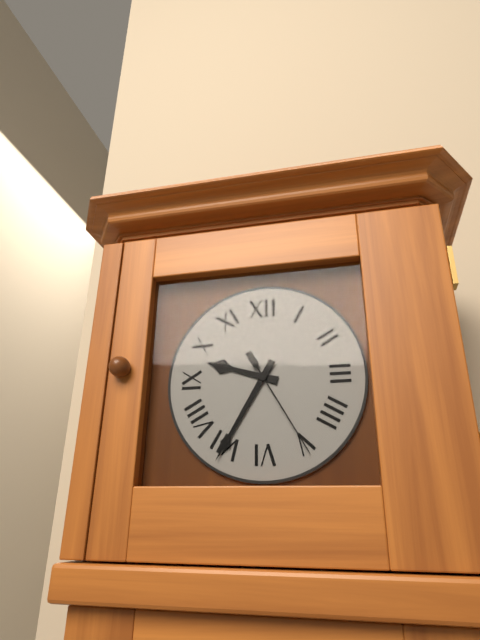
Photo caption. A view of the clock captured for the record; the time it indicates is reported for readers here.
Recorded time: 9:35:25
